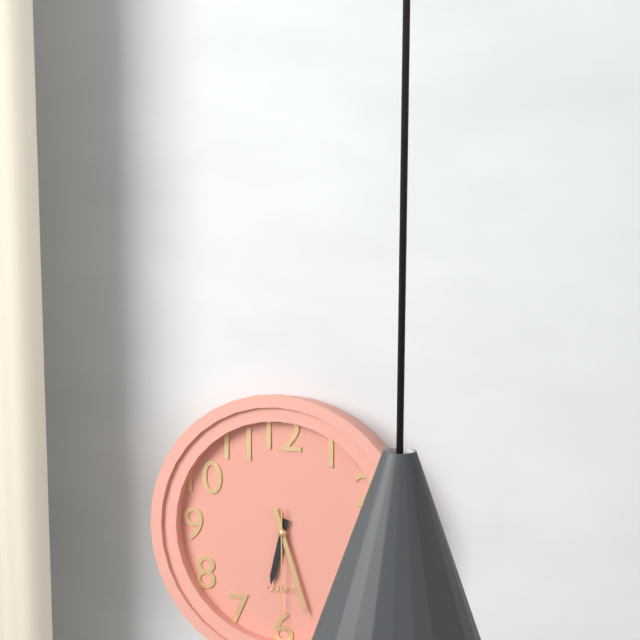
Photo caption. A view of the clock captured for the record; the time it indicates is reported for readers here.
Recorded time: 6:27:30
